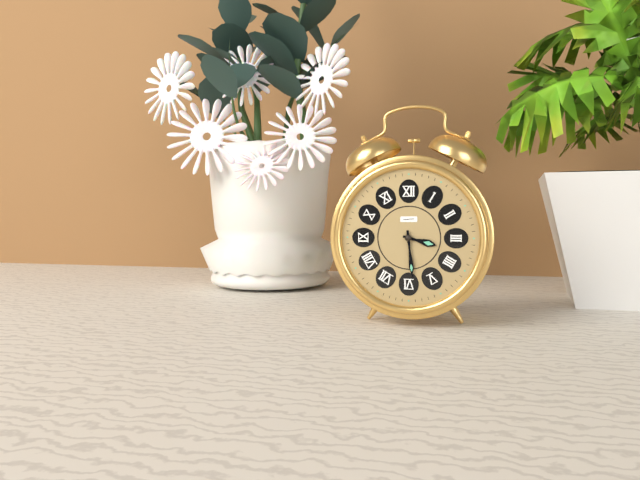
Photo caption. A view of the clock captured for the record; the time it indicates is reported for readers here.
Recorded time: 3:29
